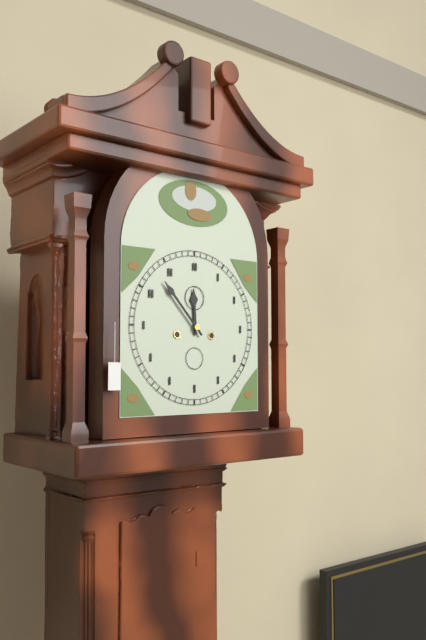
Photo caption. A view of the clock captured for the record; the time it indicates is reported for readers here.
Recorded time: 11:53
